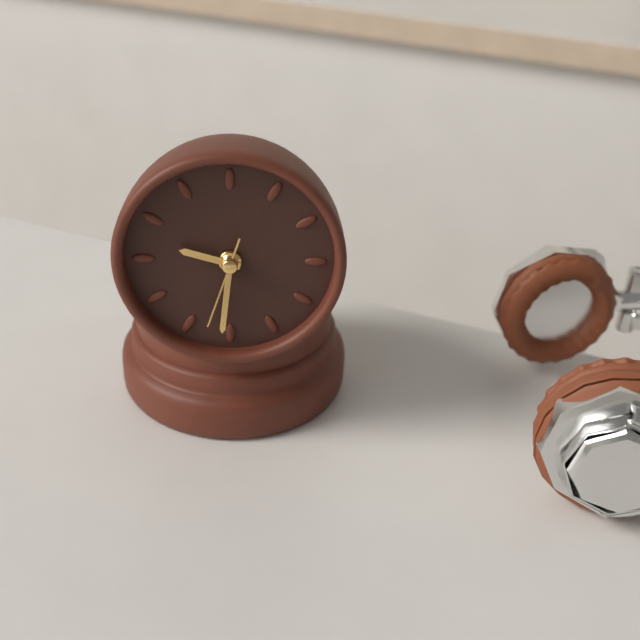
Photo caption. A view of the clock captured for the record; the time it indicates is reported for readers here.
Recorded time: 9:31:33
